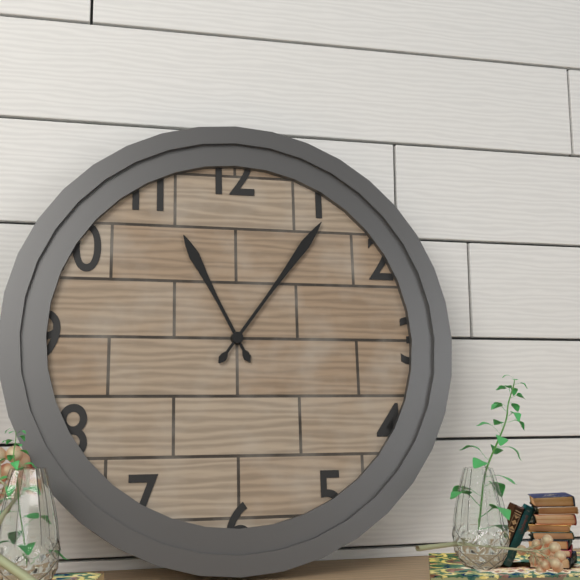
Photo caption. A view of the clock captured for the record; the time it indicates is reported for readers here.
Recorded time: 11:06
